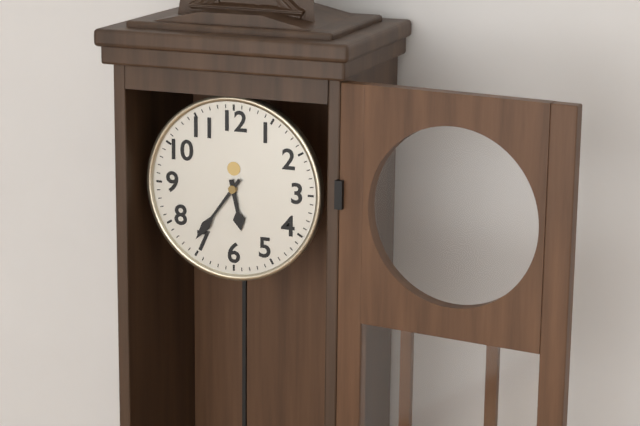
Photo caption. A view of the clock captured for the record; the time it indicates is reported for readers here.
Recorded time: 5:36
